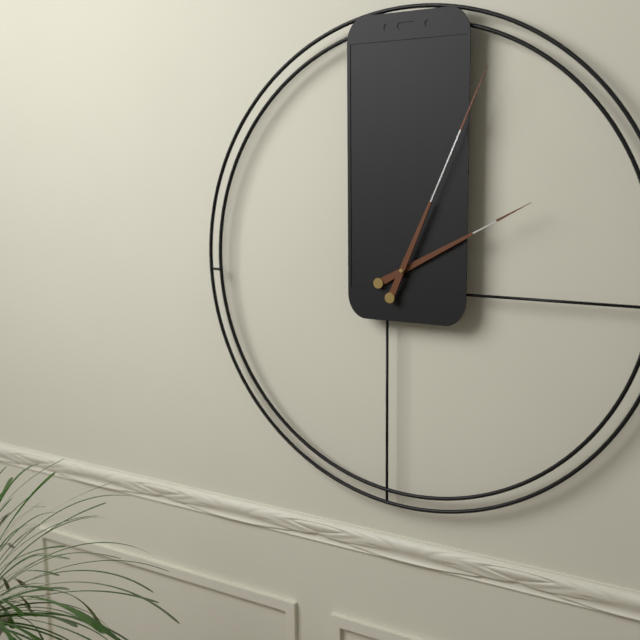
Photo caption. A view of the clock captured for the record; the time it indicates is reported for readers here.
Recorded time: 2:04
